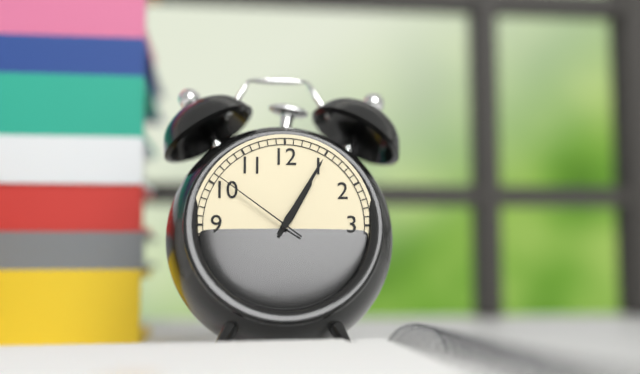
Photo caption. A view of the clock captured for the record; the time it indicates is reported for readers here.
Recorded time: 1:05:51
